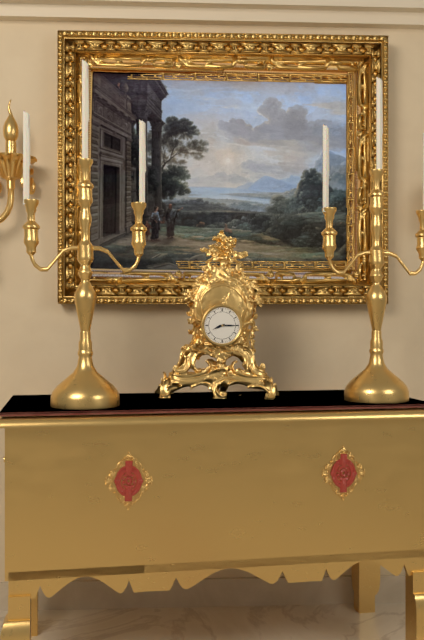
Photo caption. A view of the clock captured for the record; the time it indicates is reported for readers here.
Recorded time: 8:15
